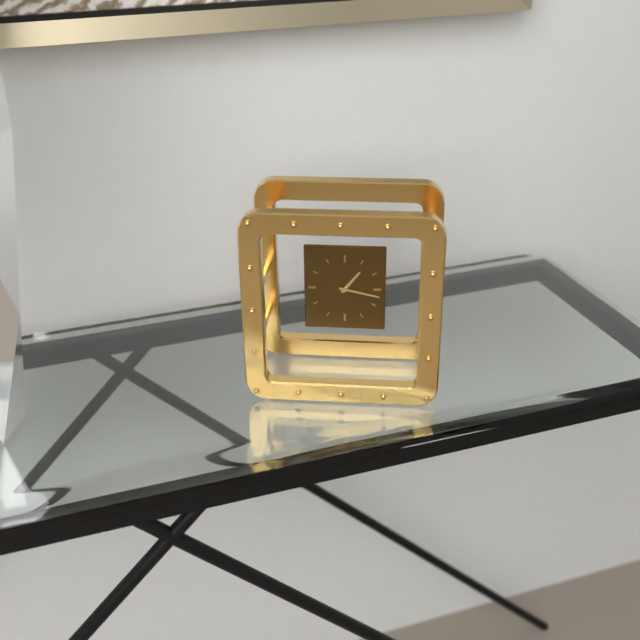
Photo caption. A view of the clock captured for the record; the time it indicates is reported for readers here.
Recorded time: 1:17
